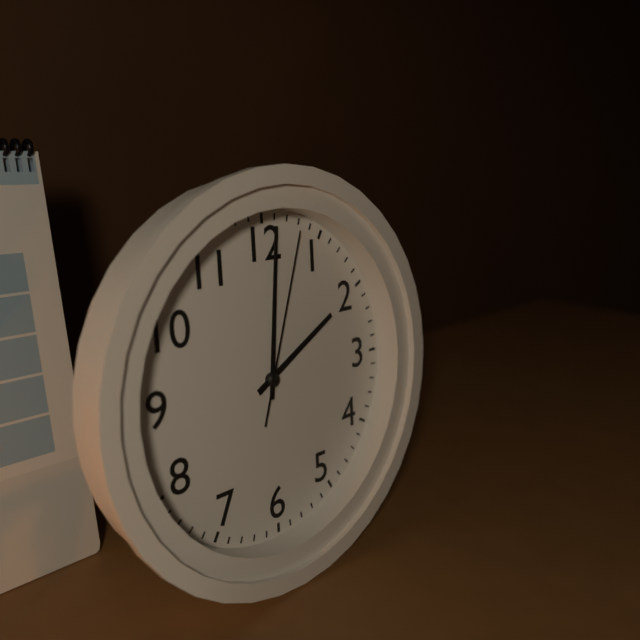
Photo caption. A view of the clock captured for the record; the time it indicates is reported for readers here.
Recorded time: 2:01:03
